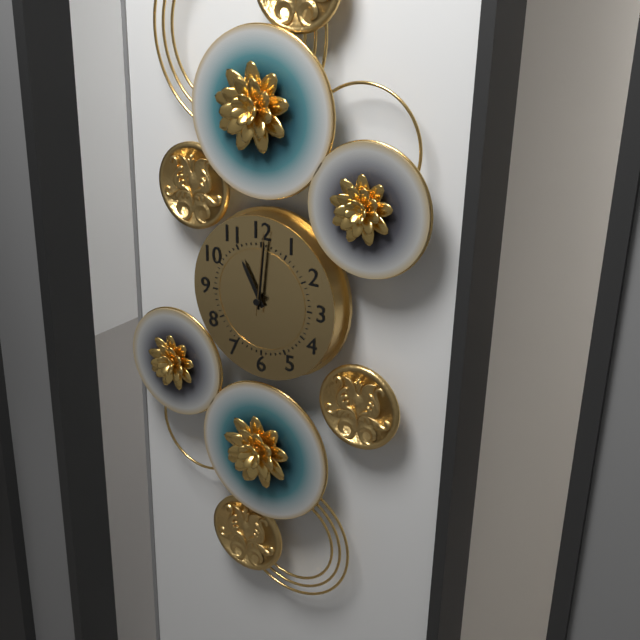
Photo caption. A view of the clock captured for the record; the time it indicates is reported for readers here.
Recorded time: 11:01:01
